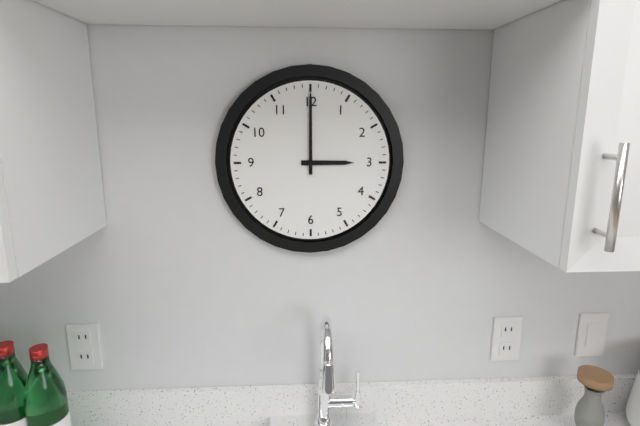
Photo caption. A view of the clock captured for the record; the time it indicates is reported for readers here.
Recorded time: 3:00
